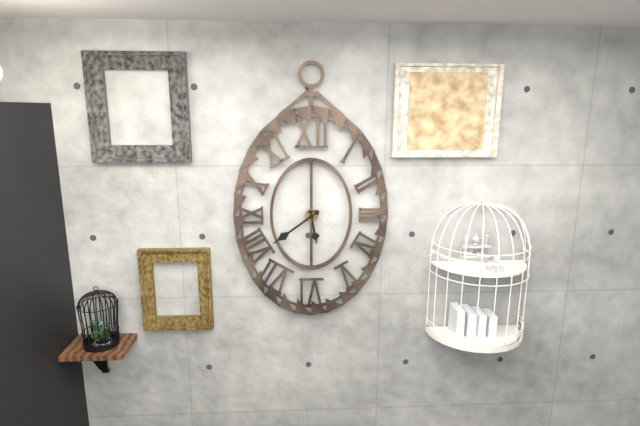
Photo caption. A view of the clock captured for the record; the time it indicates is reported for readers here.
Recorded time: 5:39
